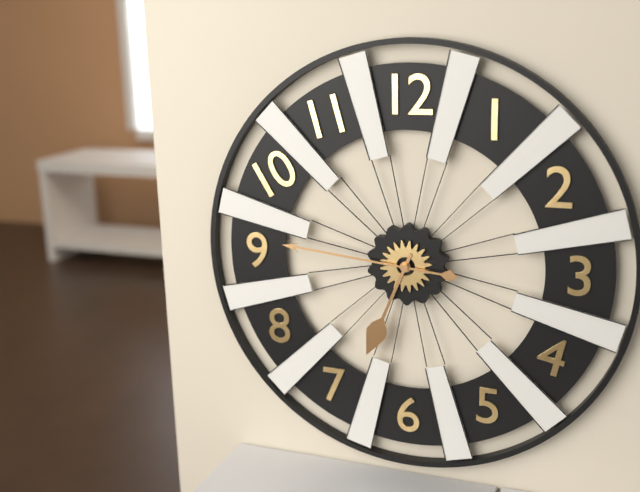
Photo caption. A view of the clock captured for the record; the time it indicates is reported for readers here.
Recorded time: 6:46
